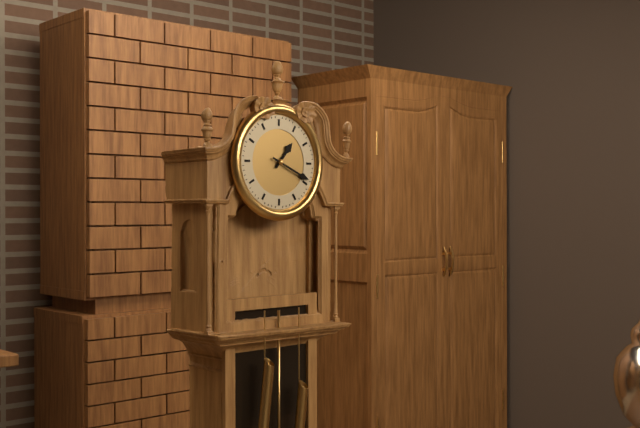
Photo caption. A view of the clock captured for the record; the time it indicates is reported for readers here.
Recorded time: 1:19
